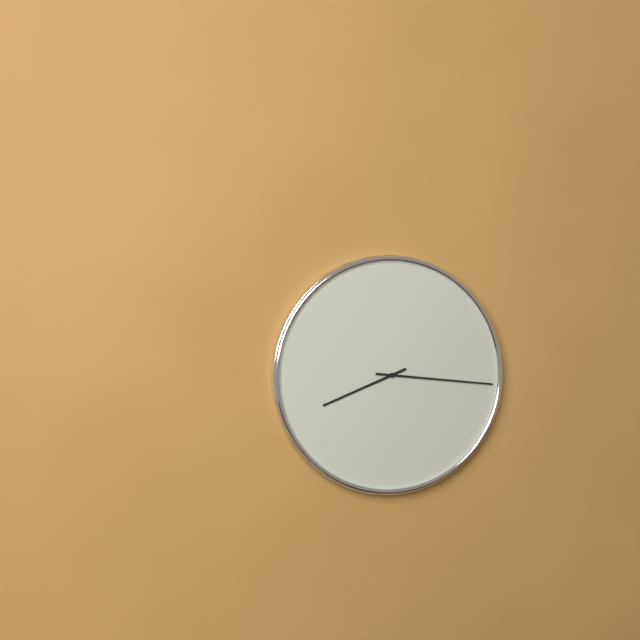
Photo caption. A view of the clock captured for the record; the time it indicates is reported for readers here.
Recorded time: 8:16
